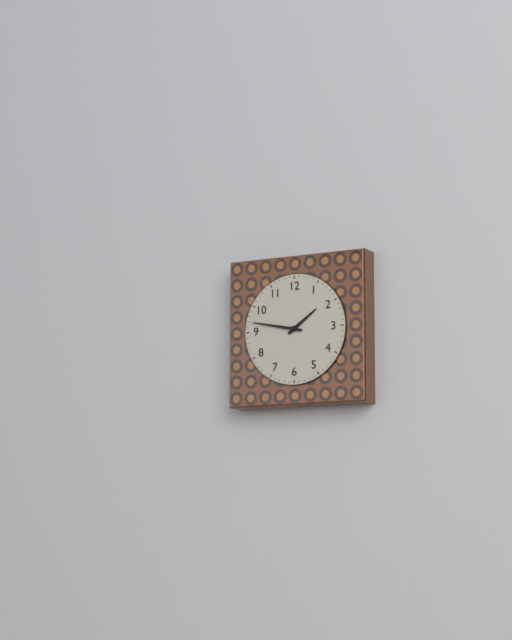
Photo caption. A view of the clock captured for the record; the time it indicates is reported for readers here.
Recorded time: 1:47
